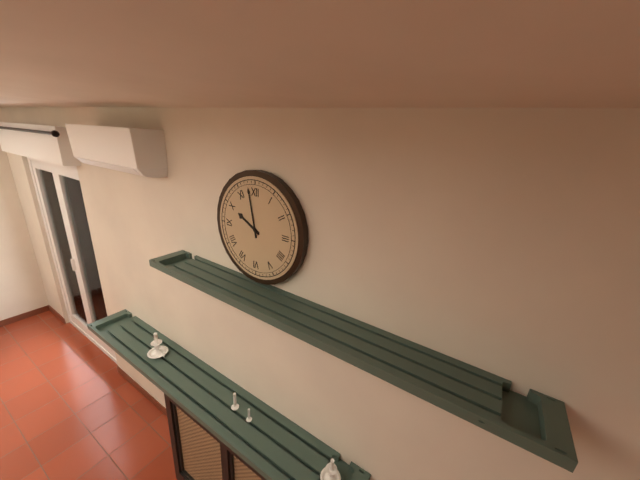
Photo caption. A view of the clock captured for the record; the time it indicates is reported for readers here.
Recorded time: 9:58
